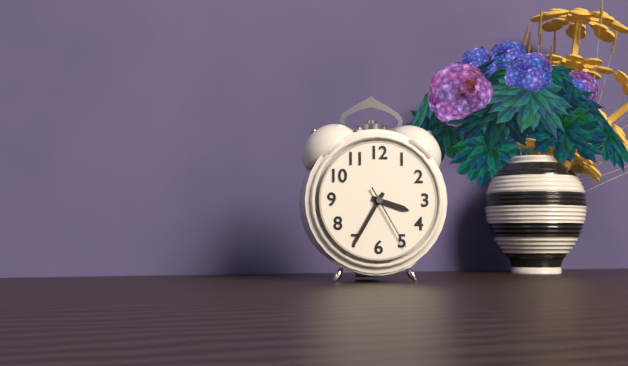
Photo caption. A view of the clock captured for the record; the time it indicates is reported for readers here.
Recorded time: 3:35:25
